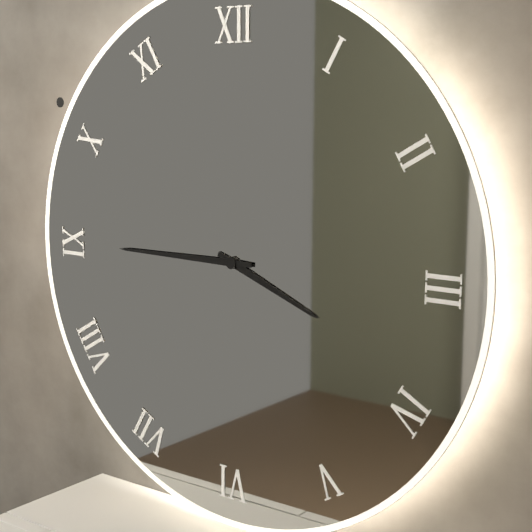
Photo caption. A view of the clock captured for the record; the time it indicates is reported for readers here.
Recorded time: 3:45
